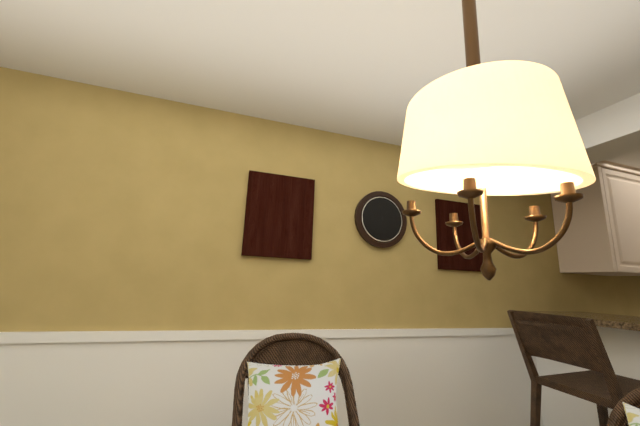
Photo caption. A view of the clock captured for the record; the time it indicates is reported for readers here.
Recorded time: 1:12
